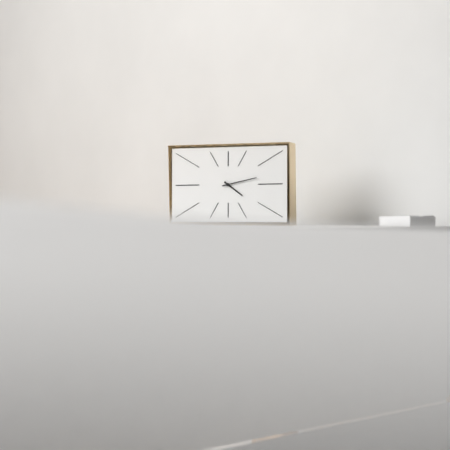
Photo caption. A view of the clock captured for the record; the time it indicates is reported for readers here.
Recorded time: 4:13
